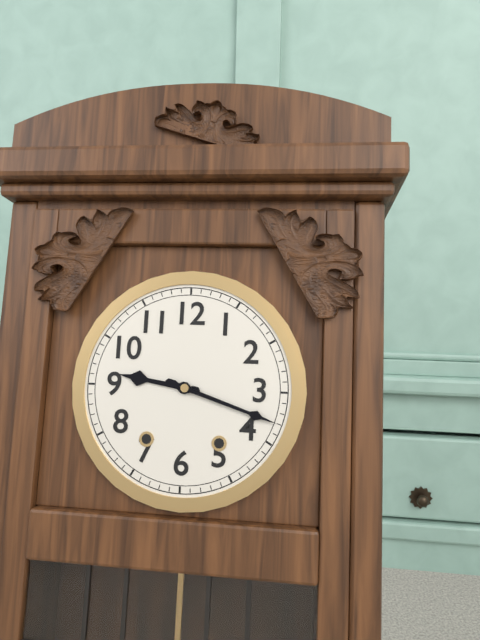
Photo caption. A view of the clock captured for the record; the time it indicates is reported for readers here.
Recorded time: 9:18
